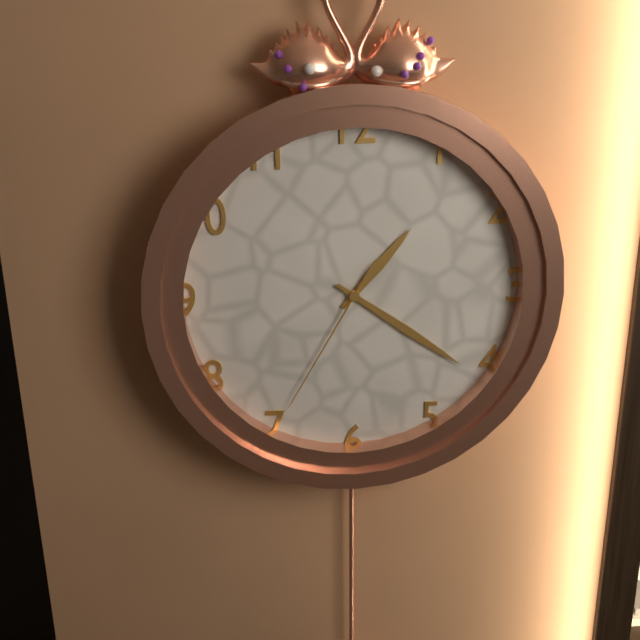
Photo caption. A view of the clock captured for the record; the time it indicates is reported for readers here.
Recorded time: 1:21:35
